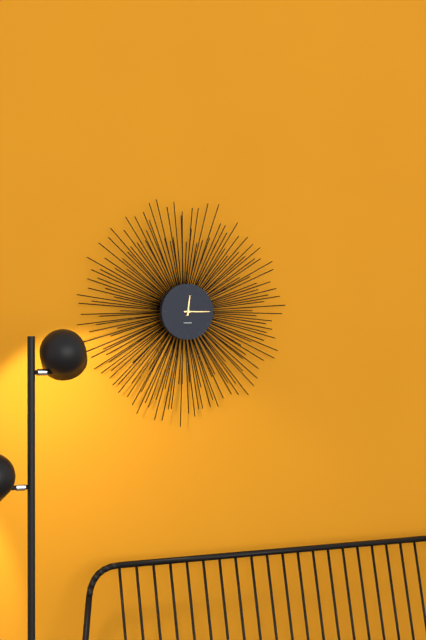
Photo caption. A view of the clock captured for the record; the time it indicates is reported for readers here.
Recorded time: 12:15
